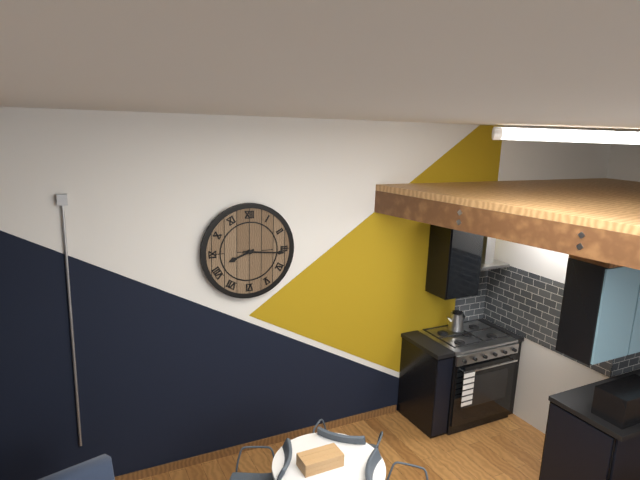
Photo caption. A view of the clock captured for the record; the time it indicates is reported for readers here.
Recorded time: 8:16
